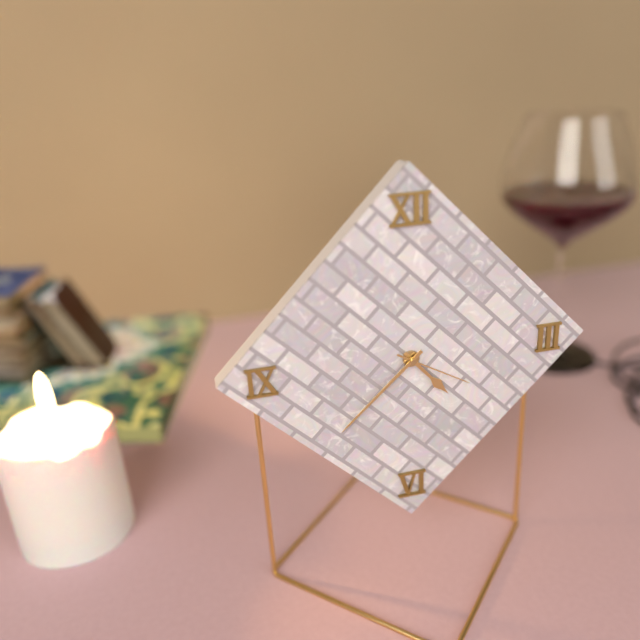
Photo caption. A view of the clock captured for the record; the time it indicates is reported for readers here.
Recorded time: 4:38:20
